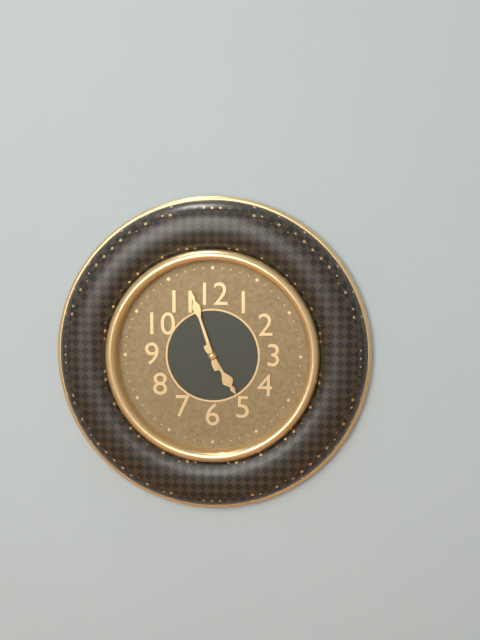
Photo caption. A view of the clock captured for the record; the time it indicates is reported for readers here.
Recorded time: 4:57
